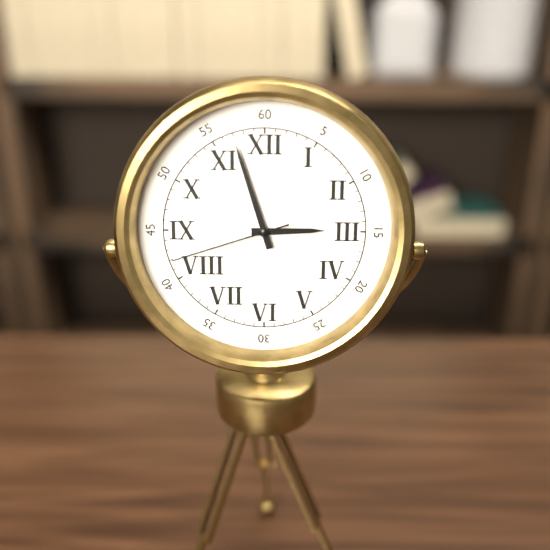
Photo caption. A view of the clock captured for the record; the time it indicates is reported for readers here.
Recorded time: 2:57:42
